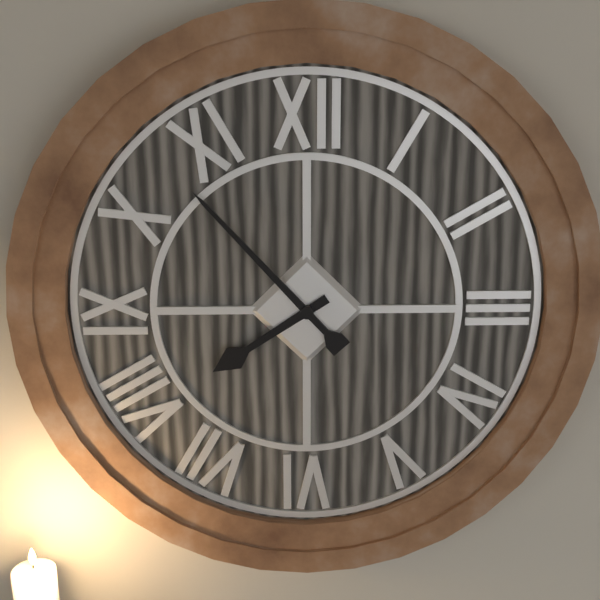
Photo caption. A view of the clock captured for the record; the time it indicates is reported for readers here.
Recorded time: 7:53
